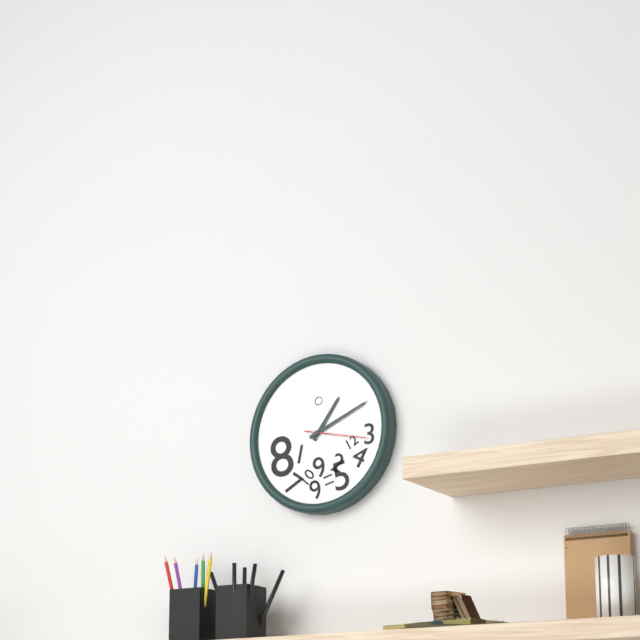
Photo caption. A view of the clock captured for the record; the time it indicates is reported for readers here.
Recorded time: 1:11:17
